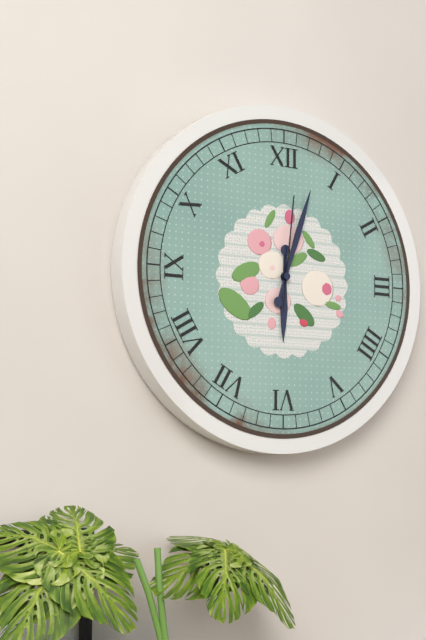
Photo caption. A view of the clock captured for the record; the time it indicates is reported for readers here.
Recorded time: 6:03:01
